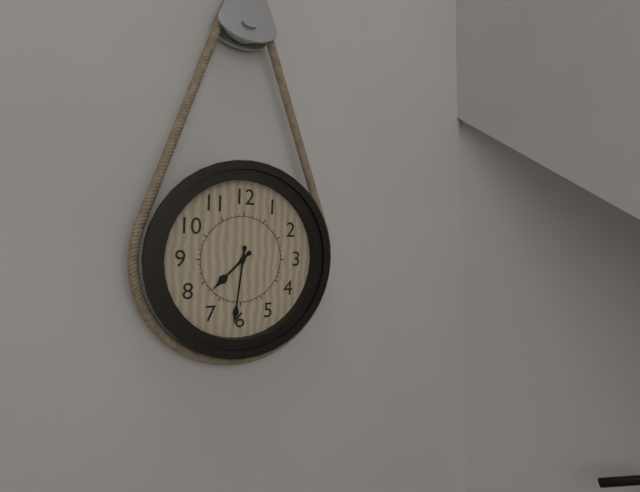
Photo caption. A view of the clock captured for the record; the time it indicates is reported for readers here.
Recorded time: 7:31
